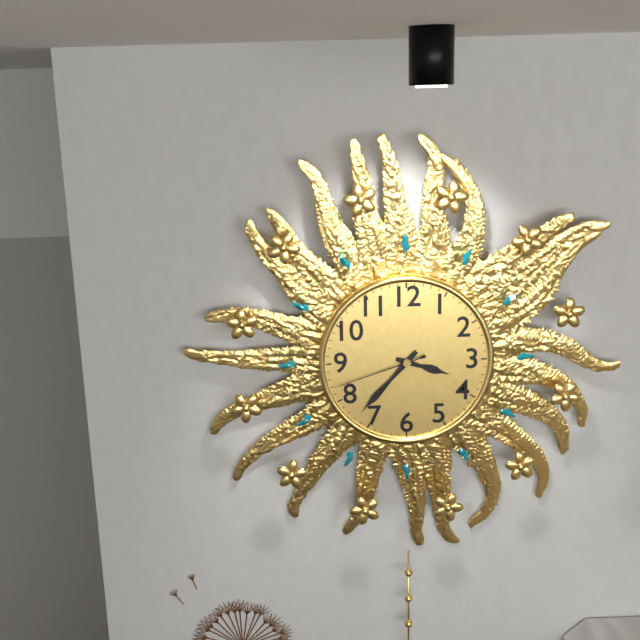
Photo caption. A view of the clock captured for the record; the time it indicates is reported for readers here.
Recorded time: 3:37:42
